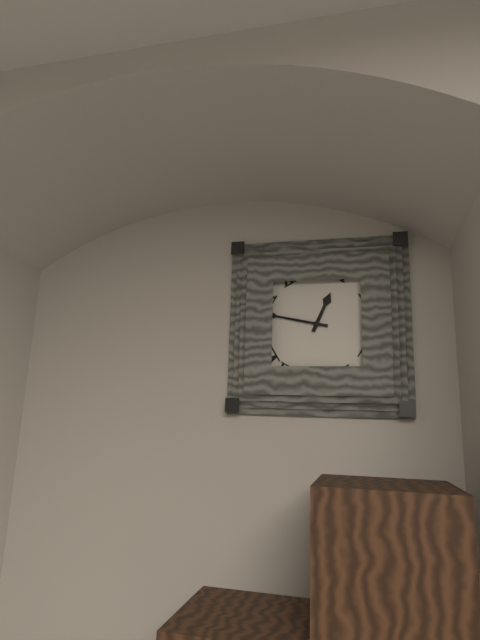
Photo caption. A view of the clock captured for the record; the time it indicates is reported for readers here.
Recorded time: 12:47
